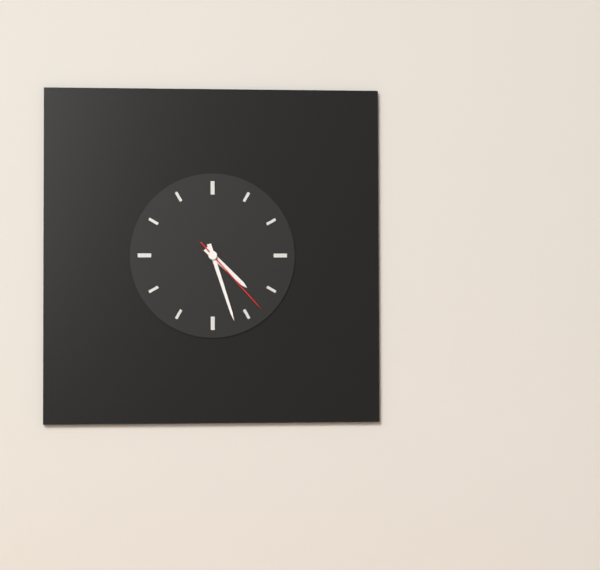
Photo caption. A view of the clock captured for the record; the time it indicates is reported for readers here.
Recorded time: 4:27:23
